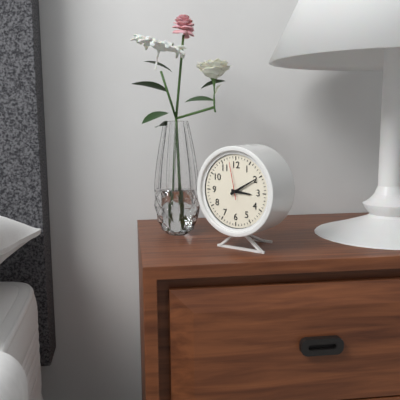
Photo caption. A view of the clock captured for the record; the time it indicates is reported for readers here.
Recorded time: 3:10
